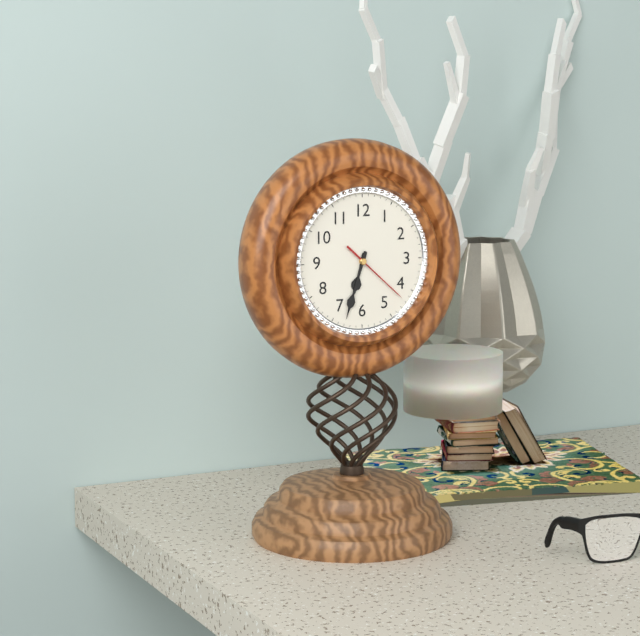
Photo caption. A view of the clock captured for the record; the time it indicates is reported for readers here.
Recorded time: 6:33:22
